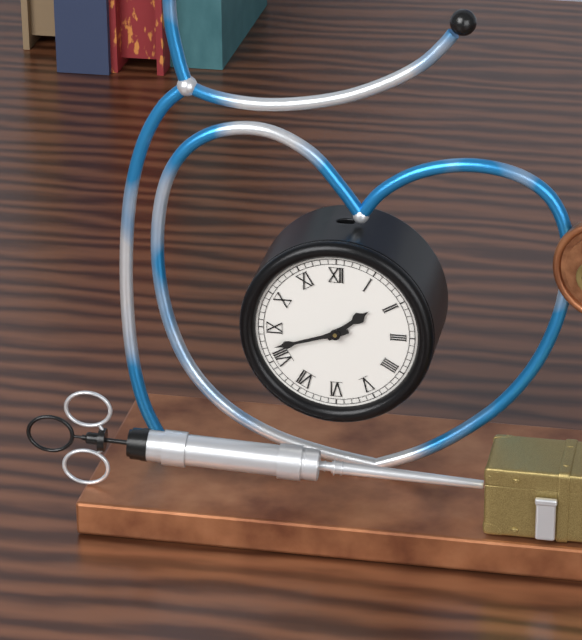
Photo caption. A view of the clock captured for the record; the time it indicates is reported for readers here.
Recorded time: 1:42
